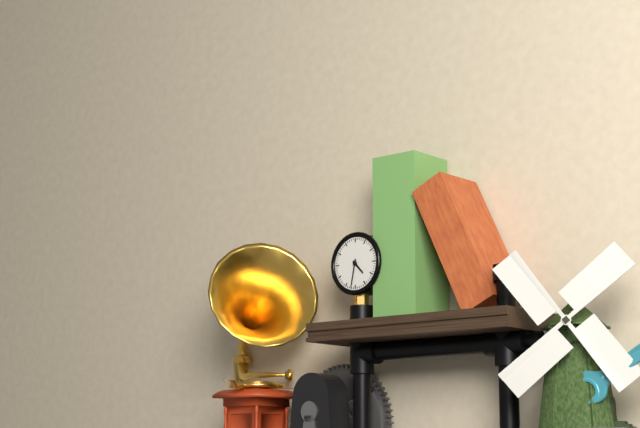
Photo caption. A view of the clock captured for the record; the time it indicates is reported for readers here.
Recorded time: 4:32
